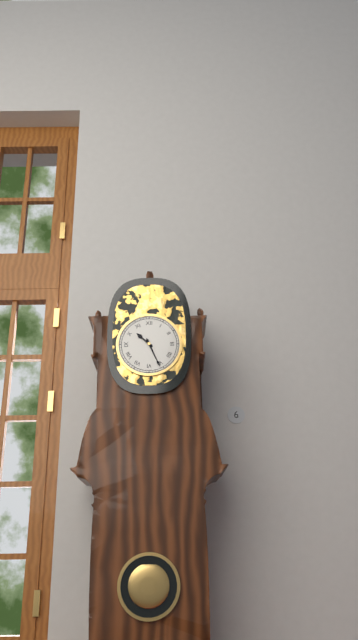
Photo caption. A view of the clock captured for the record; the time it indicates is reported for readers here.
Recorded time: 10:26
